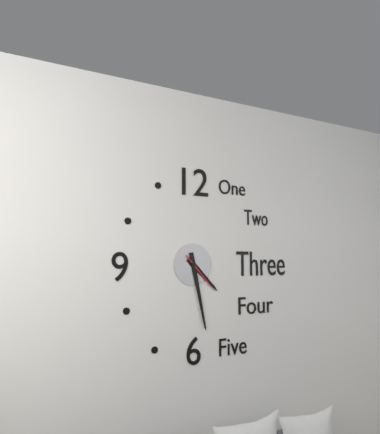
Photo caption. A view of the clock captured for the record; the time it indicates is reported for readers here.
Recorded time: 4:28
